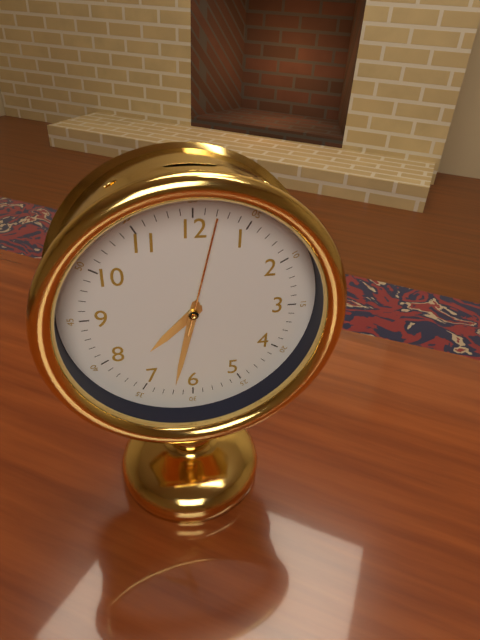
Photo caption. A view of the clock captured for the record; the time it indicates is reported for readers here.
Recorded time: 7:32:02
